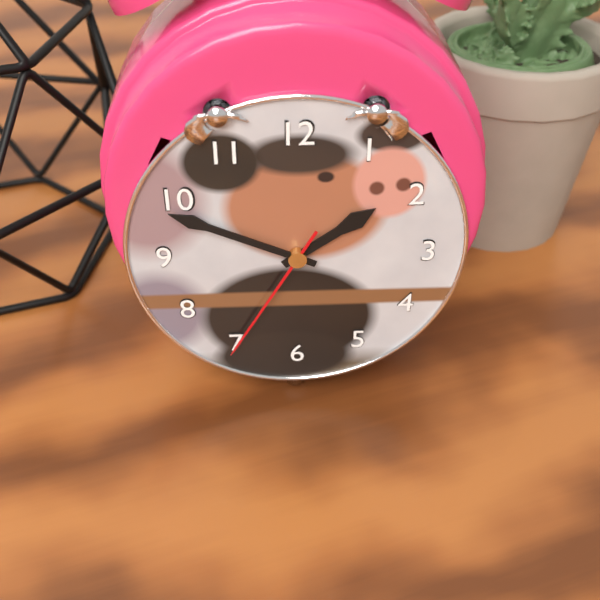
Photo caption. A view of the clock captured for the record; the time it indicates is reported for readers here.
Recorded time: 1:49:35
